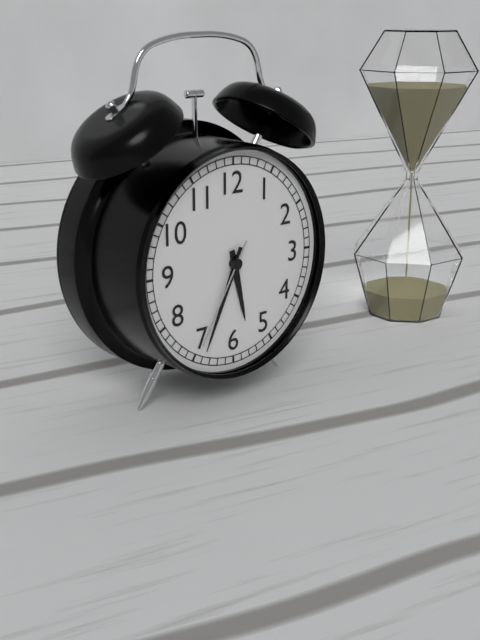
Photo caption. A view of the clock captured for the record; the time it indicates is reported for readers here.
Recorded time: 5:34:35
